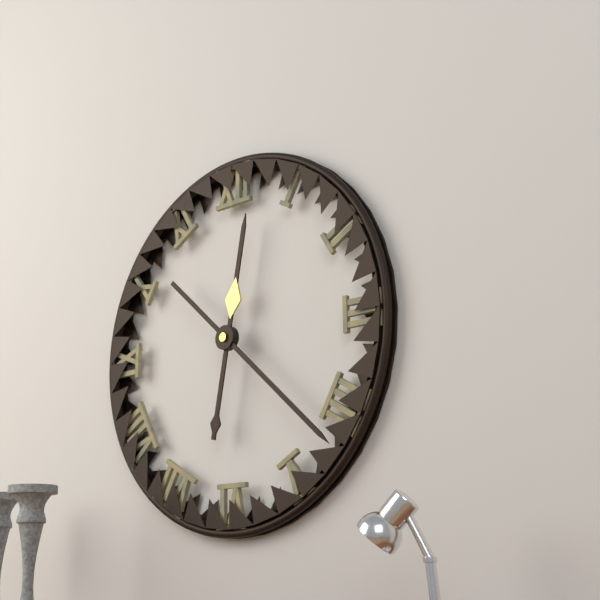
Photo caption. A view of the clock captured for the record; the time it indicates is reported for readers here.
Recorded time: 12:22
